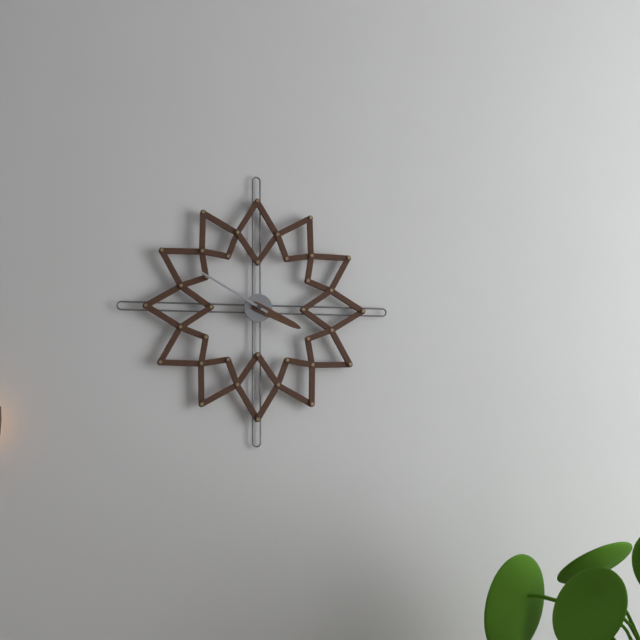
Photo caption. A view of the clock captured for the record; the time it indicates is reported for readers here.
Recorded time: 3:50
